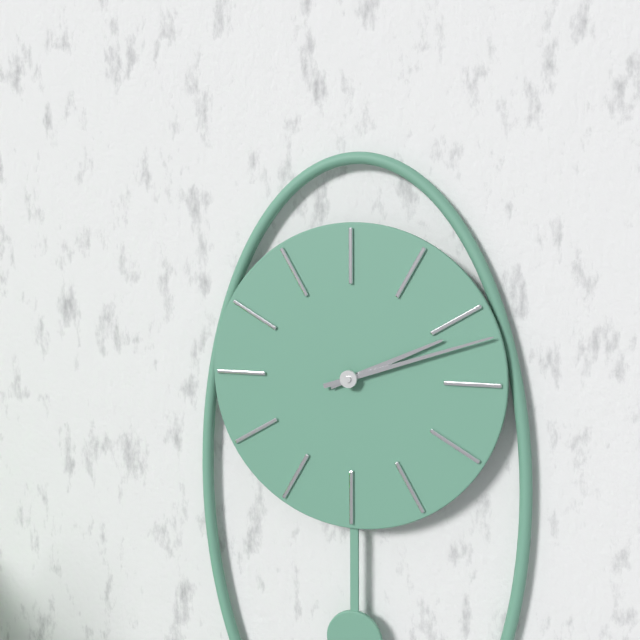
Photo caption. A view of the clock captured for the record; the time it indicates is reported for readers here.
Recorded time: 2:12
